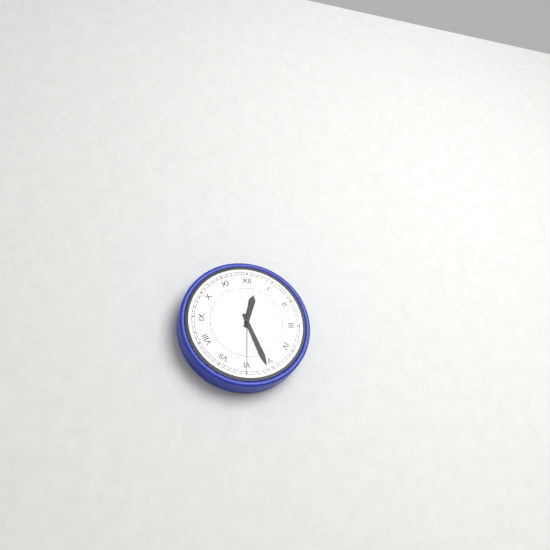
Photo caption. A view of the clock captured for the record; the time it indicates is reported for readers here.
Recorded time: 12:26:30
